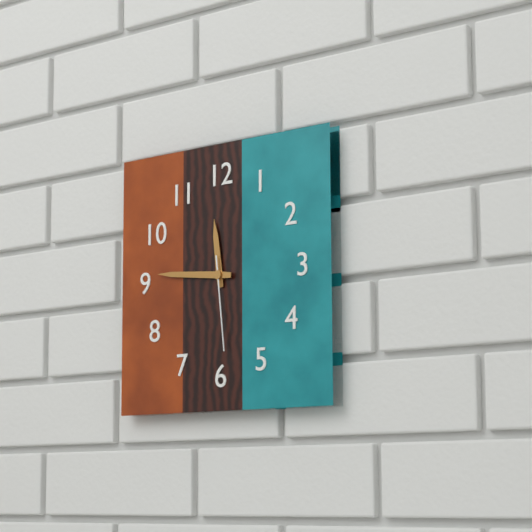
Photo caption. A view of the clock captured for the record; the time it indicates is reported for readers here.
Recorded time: 11:46:29
